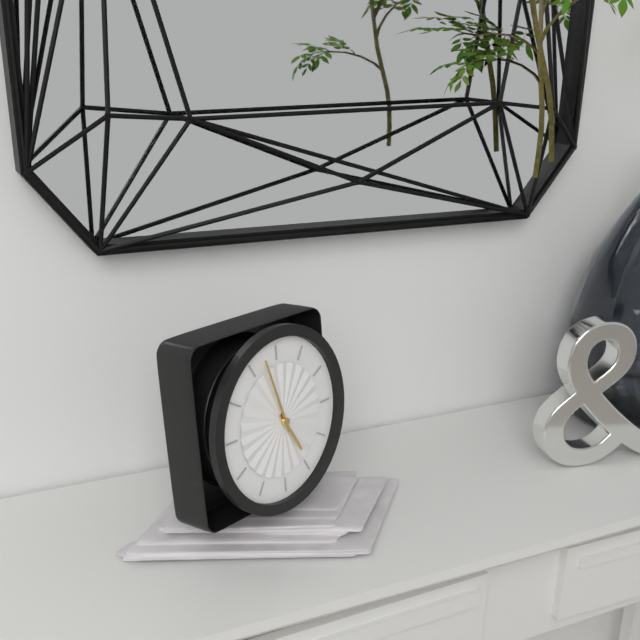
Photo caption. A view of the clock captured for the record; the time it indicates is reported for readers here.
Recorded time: 4:57
